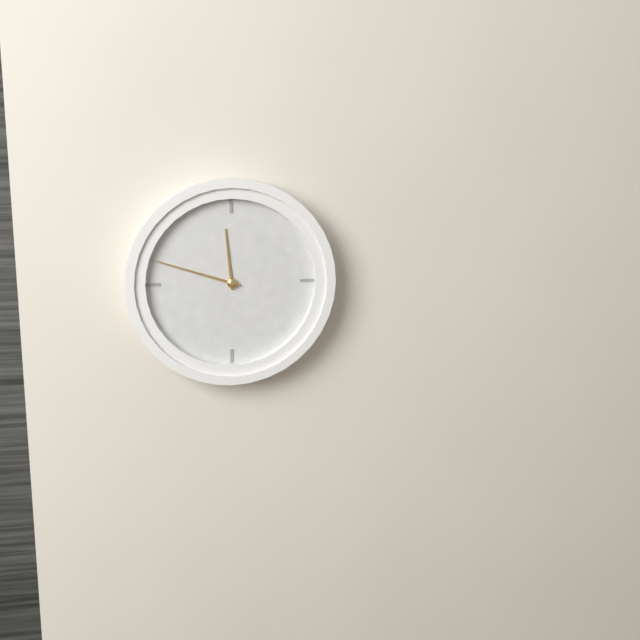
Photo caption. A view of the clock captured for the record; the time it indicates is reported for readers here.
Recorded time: 11:48
